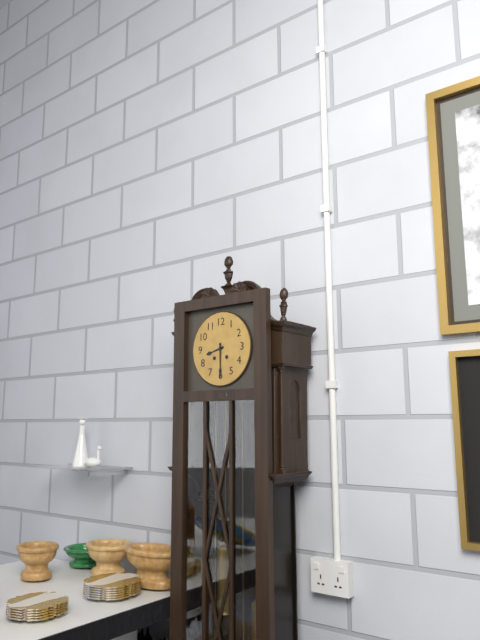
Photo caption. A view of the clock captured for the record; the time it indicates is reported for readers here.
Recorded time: 8:30
